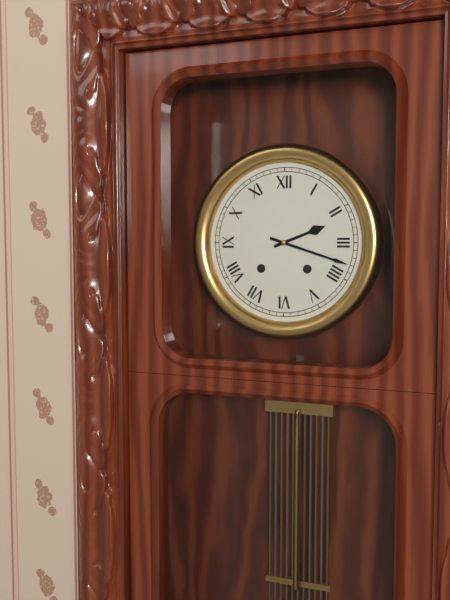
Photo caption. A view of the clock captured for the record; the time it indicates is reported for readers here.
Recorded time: 2:18
